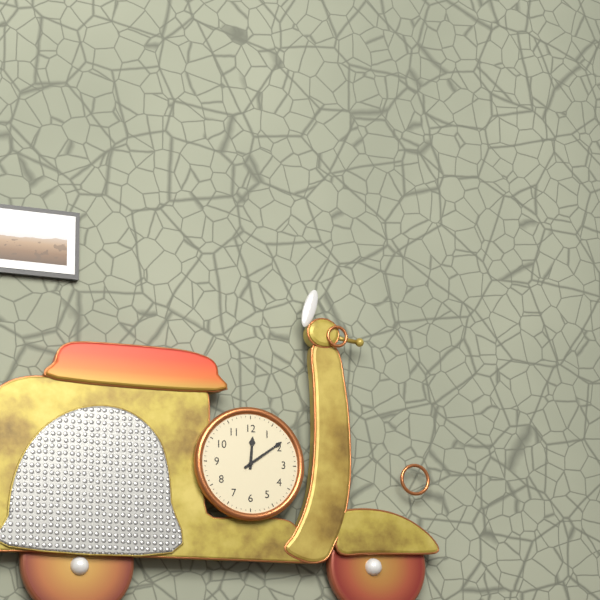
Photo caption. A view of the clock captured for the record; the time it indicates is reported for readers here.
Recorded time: 12:09
